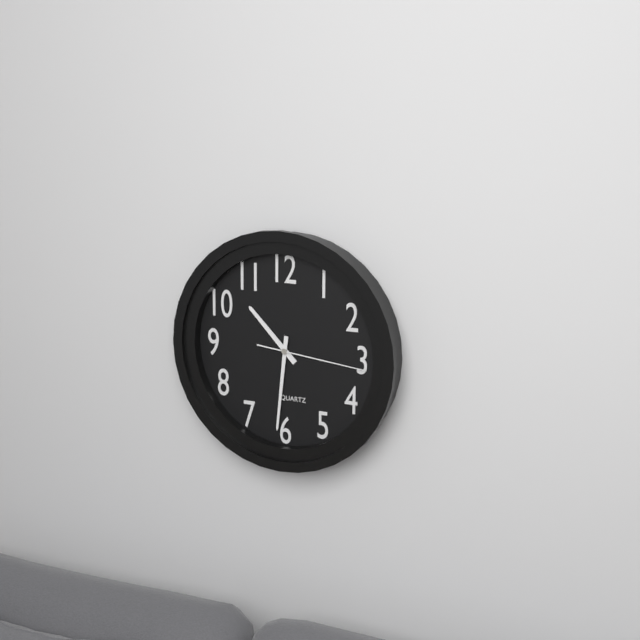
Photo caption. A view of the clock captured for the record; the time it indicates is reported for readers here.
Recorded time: 10:31:16
